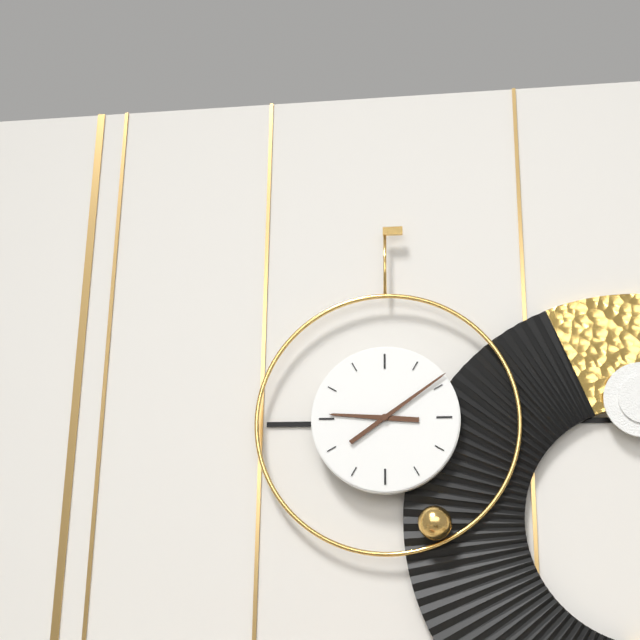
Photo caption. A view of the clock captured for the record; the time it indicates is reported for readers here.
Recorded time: 9:09
